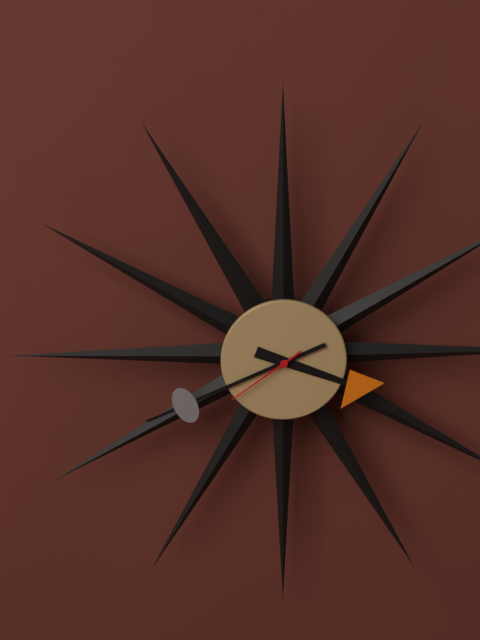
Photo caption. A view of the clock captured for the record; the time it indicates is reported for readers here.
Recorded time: 3:41:39
